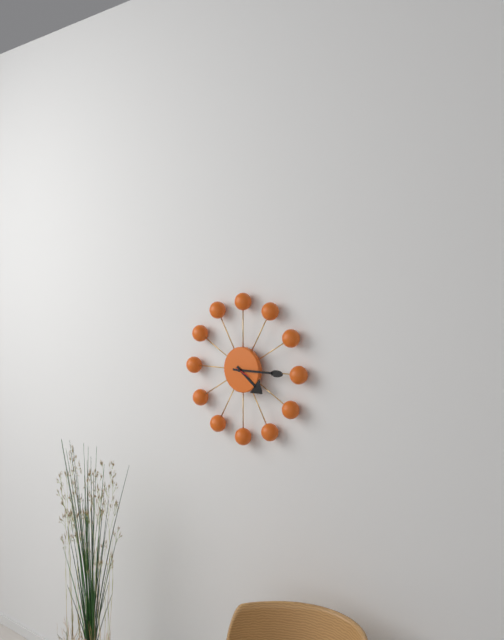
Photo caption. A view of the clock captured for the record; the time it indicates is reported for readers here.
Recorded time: 4:15
